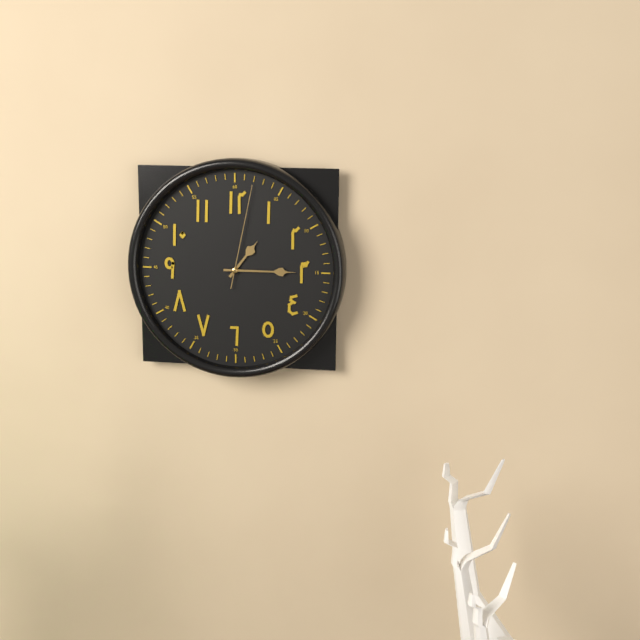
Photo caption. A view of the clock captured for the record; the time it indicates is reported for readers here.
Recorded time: 1:15:02
